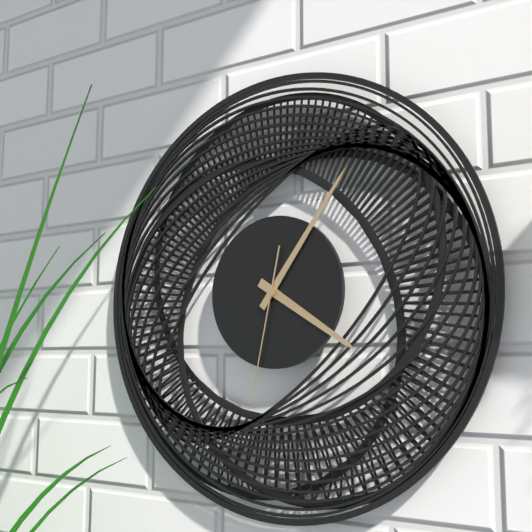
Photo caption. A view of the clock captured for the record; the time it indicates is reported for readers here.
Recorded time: 4:06:32
